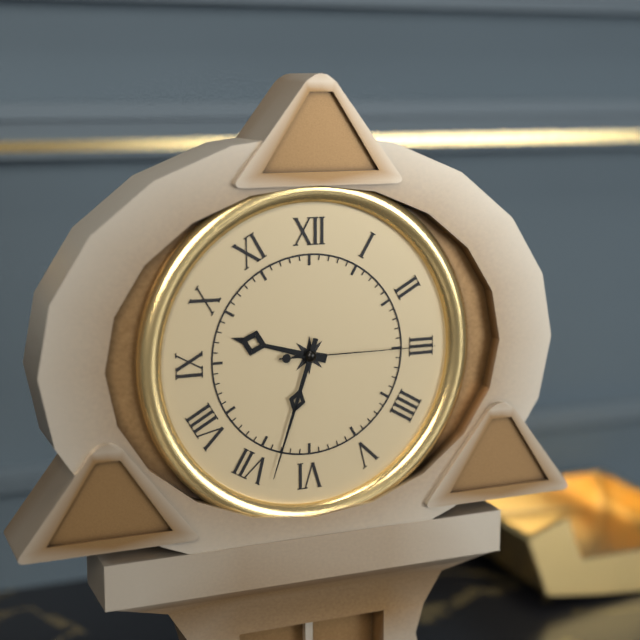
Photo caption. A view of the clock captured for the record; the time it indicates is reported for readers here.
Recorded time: 9:33:15
